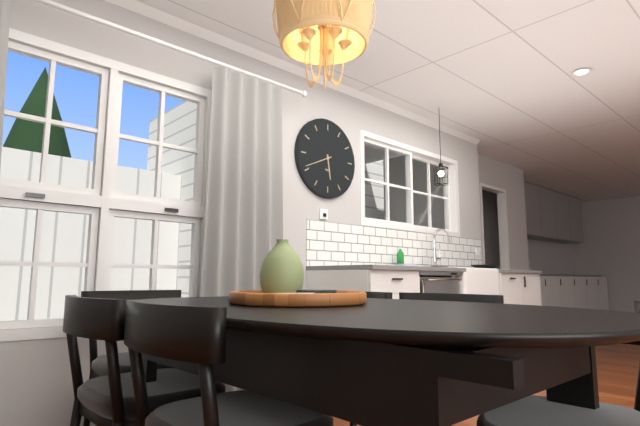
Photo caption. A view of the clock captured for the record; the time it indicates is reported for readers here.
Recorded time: 5:41
